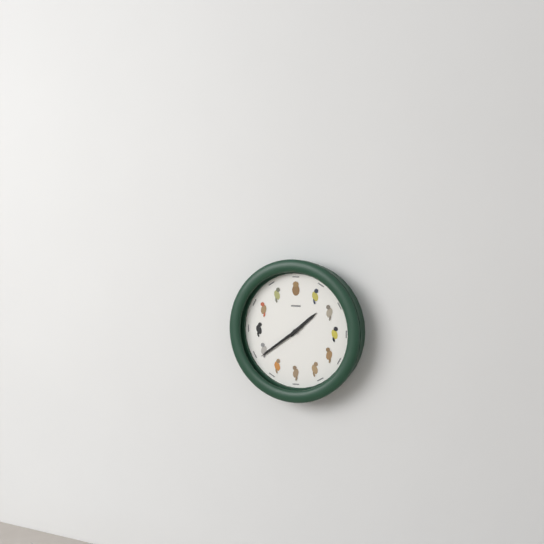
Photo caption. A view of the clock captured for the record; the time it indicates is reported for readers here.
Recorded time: 1:39
